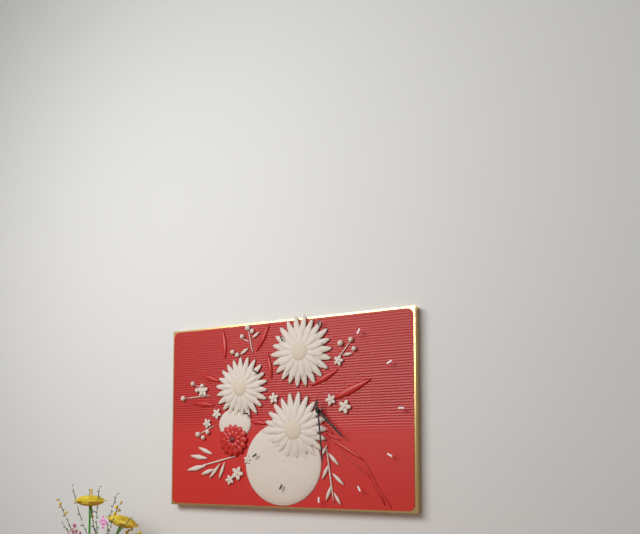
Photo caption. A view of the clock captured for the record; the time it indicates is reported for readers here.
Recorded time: 4:29
